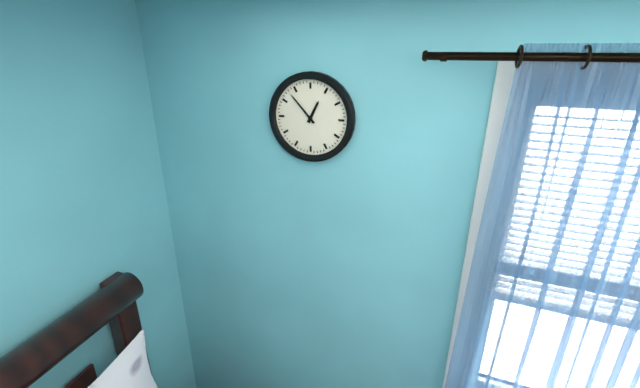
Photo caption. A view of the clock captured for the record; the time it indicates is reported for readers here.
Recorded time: 12:53
